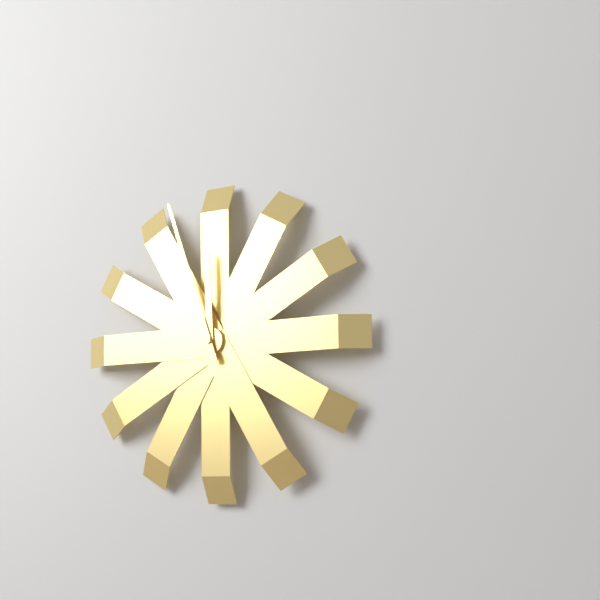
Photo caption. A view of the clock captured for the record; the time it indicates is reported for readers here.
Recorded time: 11:57
